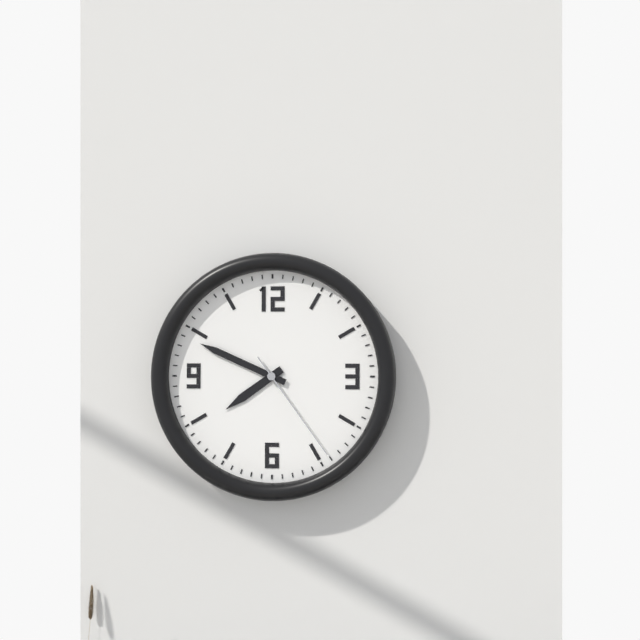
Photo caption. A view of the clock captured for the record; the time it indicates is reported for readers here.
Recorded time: 7:49:24
